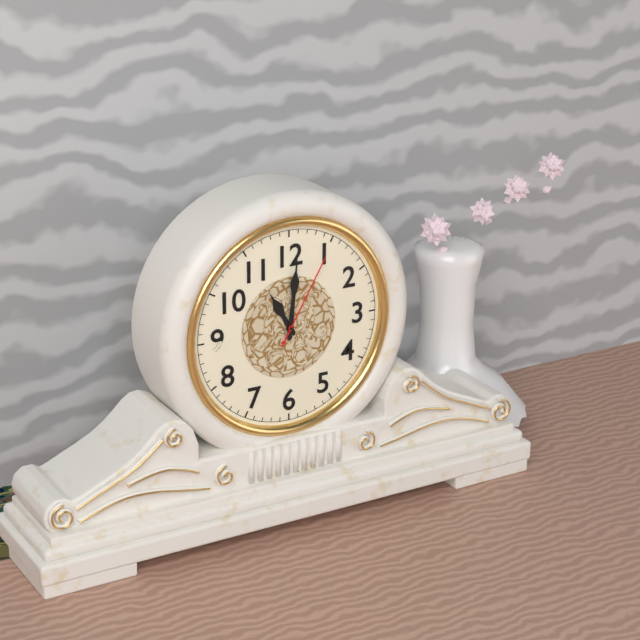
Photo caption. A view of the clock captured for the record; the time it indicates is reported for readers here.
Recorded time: 11:01:05
